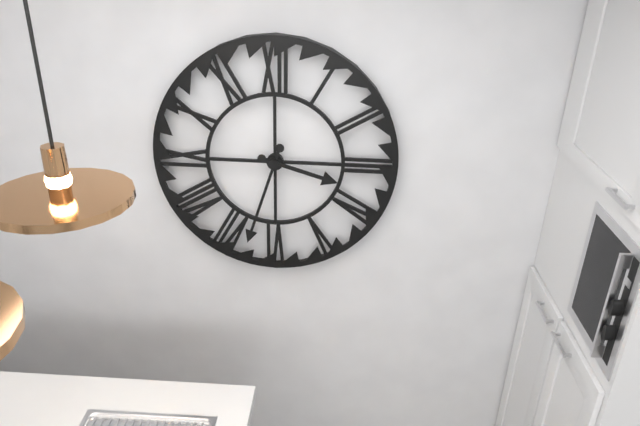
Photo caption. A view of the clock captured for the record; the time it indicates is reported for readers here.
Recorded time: 3:33
